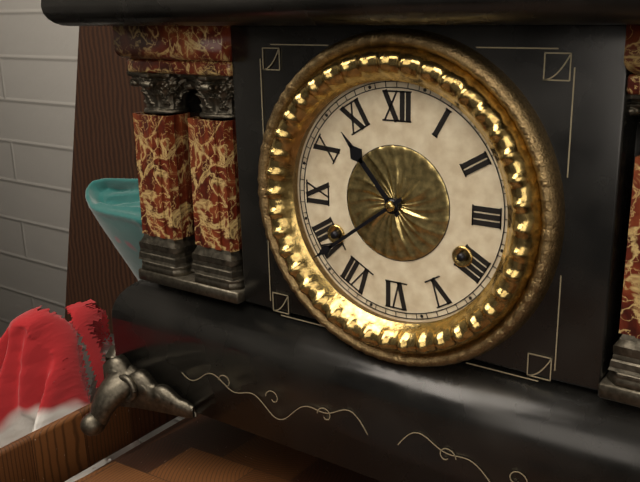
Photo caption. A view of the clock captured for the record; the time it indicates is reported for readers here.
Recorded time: 10:39
